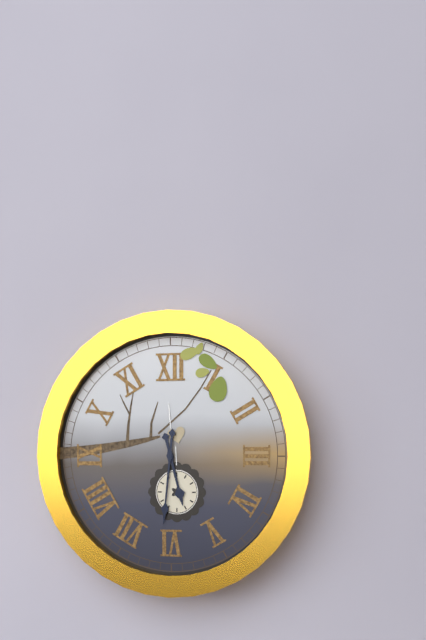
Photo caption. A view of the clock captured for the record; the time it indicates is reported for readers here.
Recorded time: 5:31
